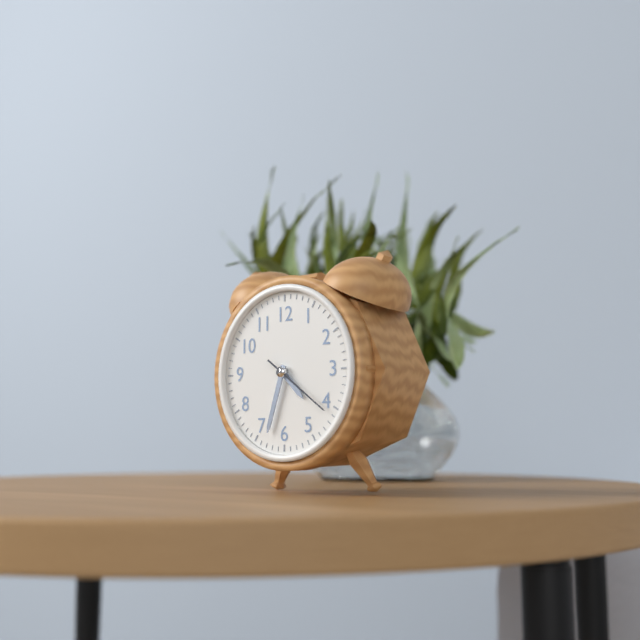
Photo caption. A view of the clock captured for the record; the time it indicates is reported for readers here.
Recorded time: 4:33:21
